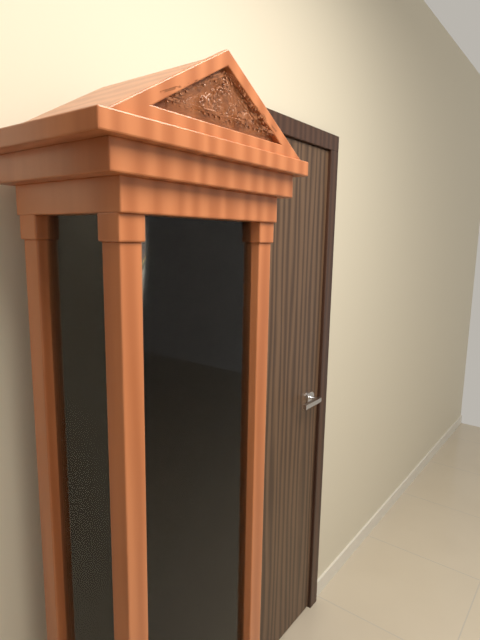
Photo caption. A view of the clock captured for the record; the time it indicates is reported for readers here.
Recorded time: 8:45
